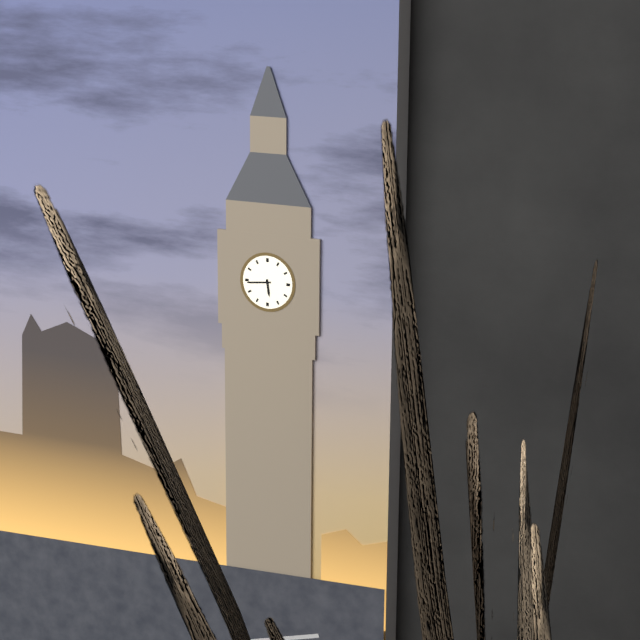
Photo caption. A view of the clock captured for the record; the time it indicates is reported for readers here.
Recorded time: 5:44
